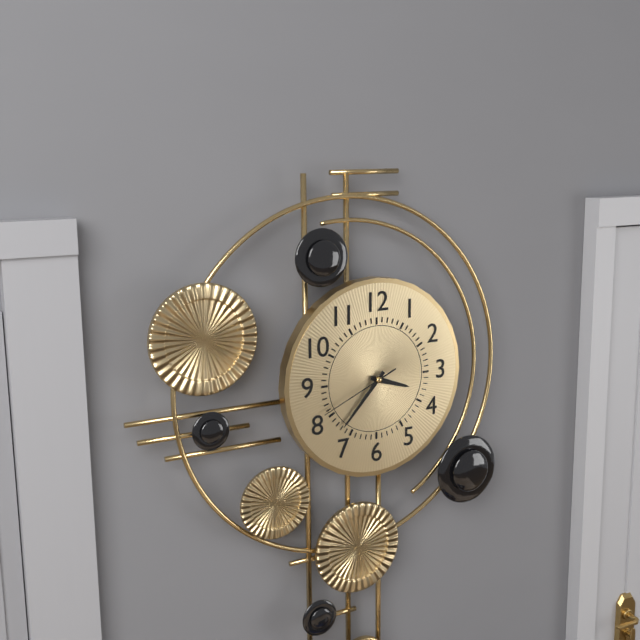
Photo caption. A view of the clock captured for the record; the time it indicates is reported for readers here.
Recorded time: 3:37:41
